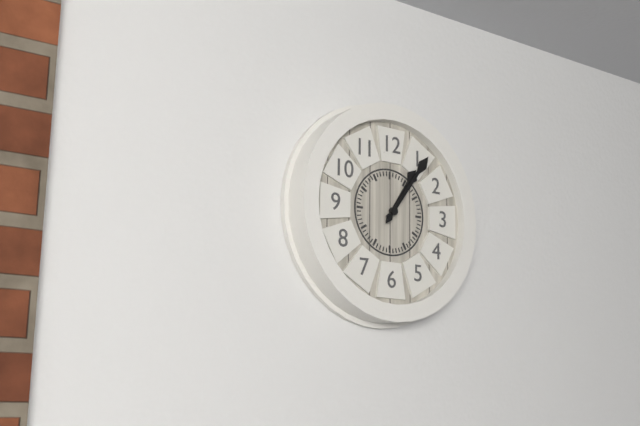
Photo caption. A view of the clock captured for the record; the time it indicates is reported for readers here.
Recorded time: 1:06
